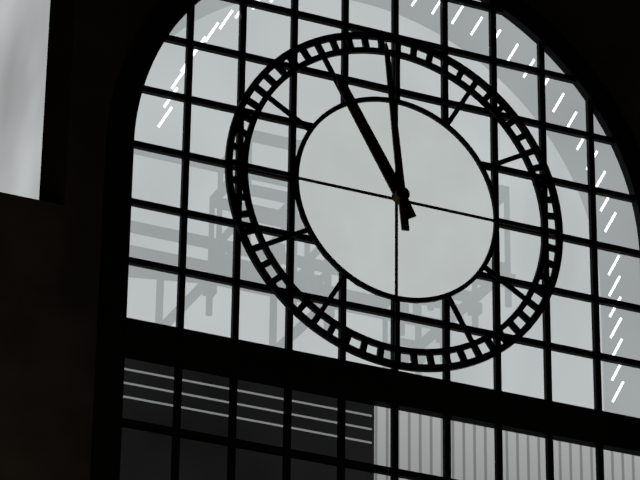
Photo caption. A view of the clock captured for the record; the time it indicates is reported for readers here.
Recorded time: 10:59
